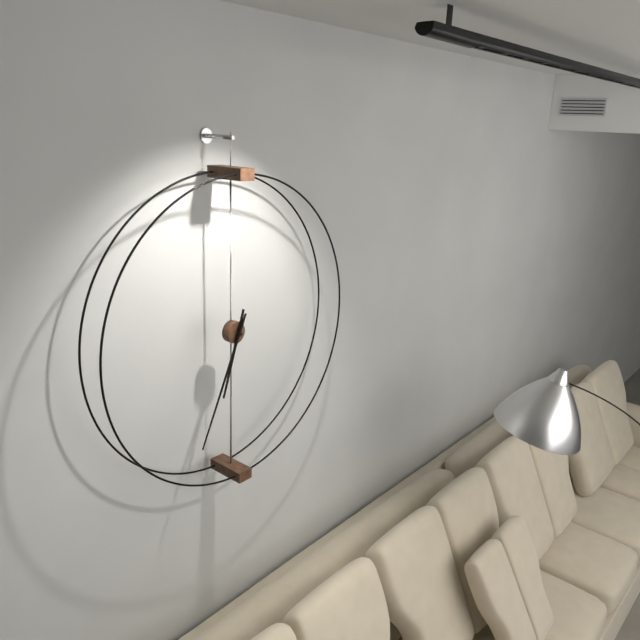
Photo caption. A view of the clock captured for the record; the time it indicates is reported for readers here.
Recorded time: 6:34
